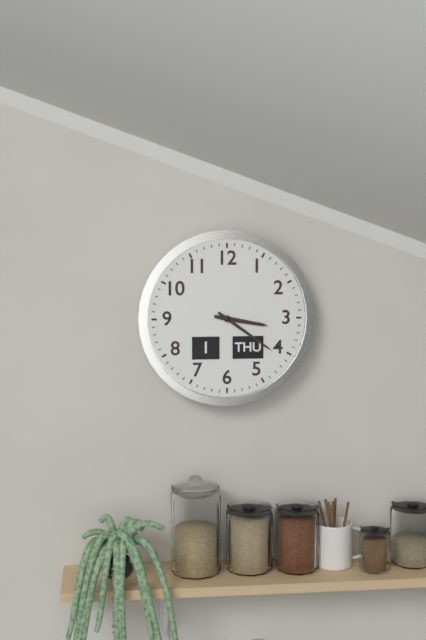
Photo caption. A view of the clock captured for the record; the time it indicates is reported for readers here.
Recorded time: 3:21
